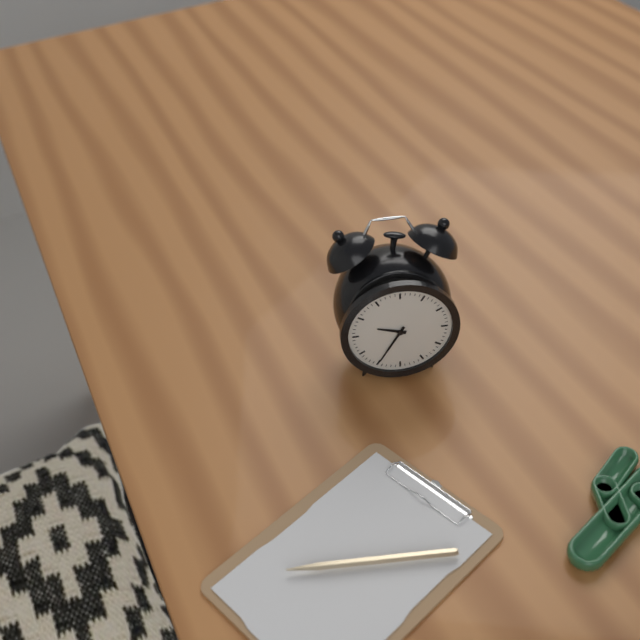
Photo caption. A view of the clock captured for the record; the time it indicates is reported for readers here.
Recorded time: 9:35
